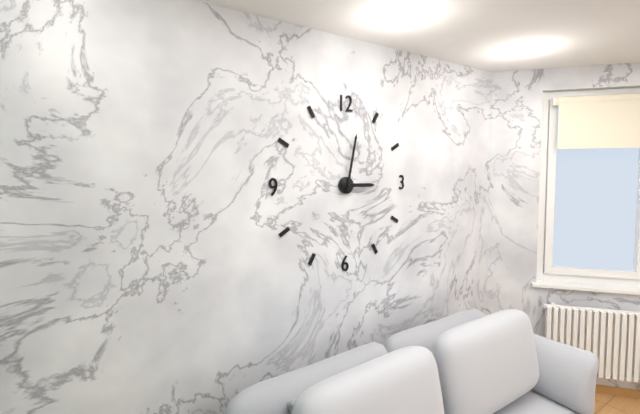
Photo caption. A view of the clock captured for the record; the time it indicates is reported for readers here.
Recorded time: 3:02
